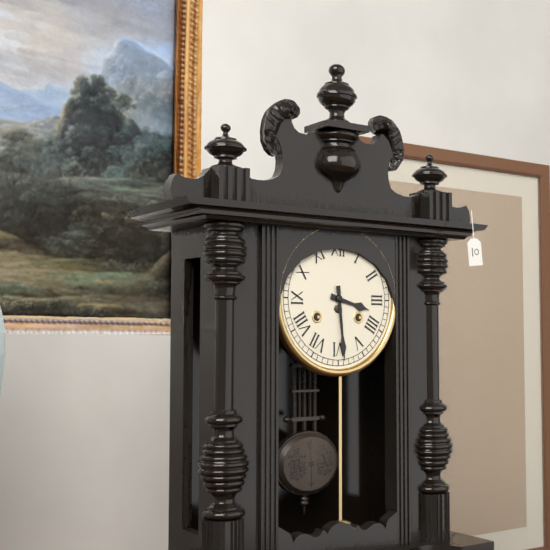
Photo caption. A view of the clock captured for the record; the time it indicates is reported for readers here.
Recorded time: 3:29
